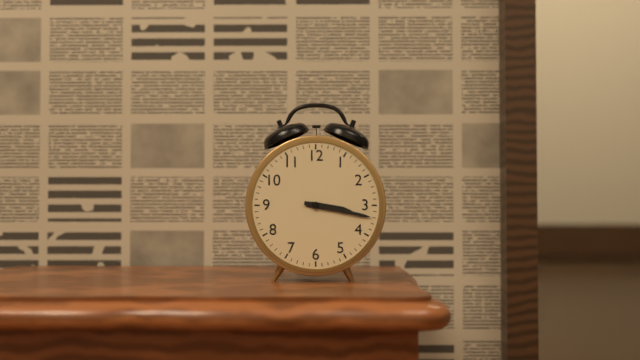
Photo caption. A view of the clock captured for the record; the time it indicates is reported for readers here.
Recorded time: 3:17
